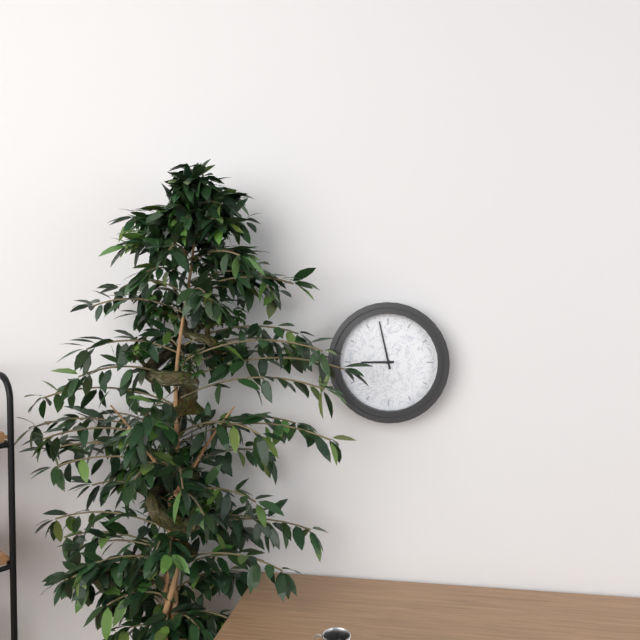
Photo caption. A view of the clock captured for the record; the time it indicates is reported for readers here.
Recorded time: 8:58
